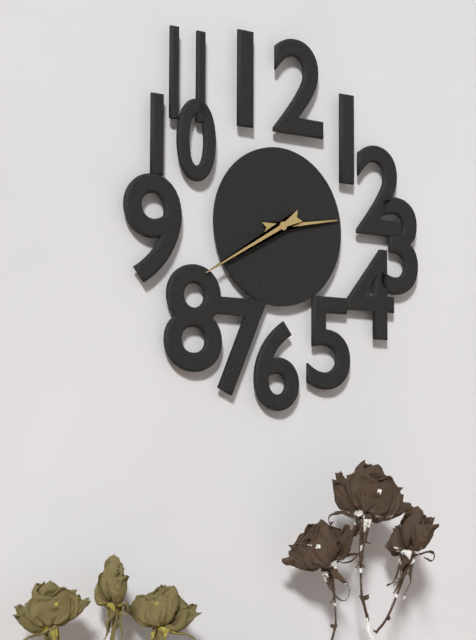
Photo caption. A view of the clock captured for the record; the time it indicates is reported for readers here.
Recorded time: 2:40
